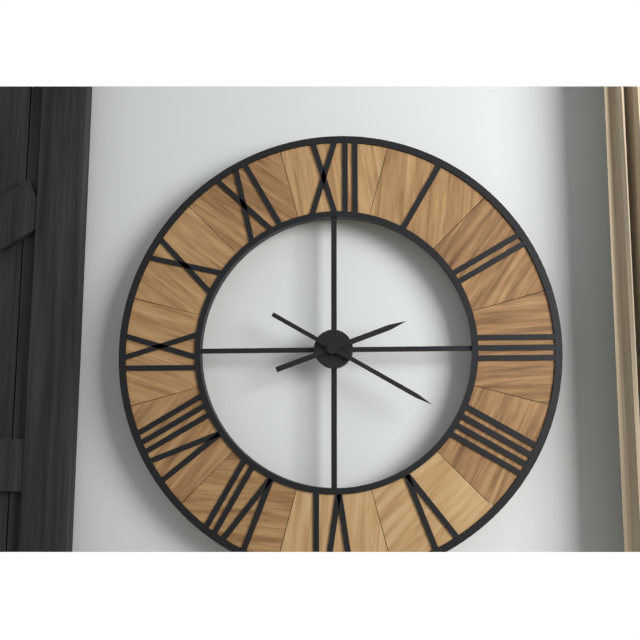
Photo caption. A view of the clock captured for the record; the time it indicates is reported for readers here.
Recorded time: 2:20
